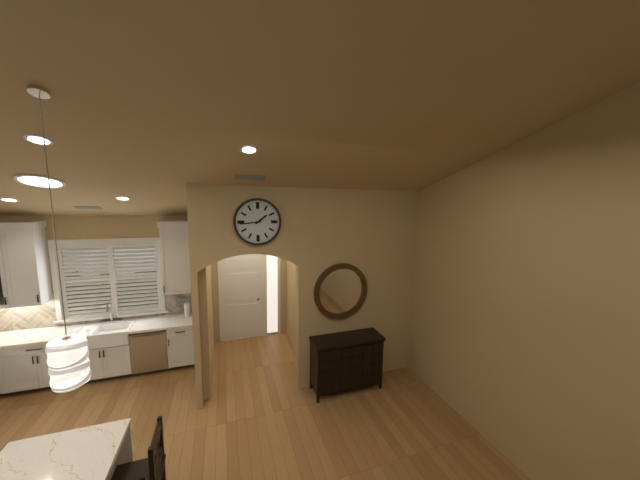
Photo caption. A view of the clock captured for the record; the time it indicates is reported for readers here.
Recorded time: 1:44
